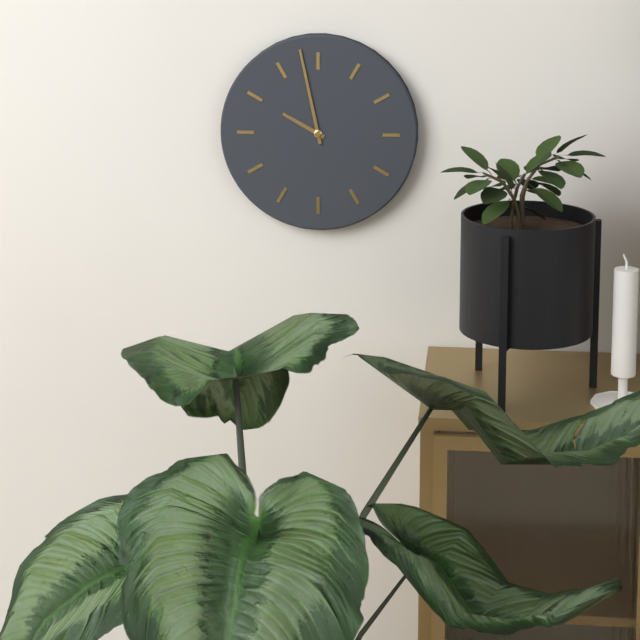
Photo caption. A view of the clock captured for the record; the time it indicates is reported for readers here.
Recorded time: 9:58
